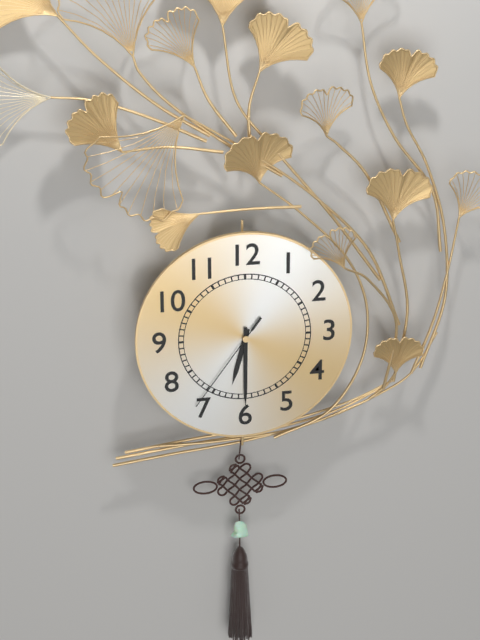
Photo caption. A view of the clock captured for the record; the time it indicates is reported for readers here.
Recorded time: 6:30:36
